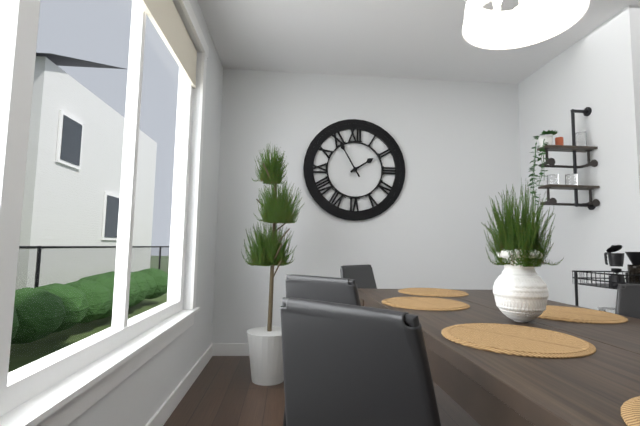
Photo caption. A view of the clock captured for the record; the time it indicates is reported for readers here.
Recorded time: 1:55
